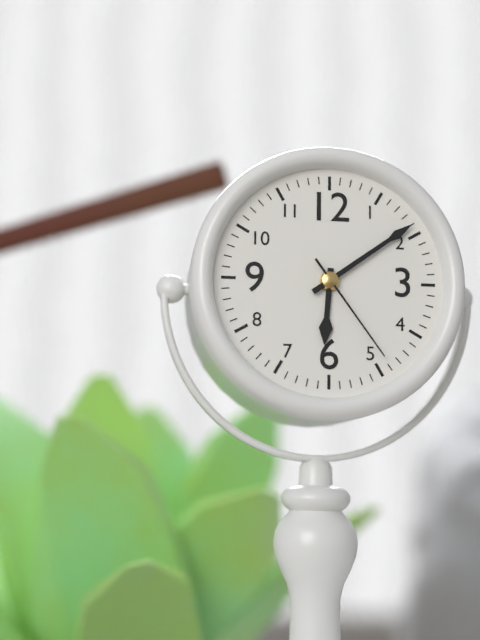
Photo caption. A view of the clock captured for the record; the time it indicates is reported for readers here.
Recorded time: 6:09:24
